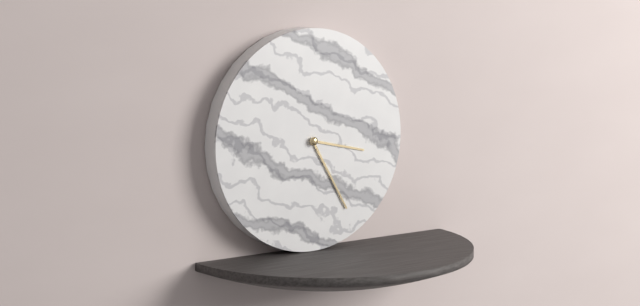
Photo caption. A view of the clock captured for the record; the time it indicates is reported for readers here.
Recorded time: 3:25
